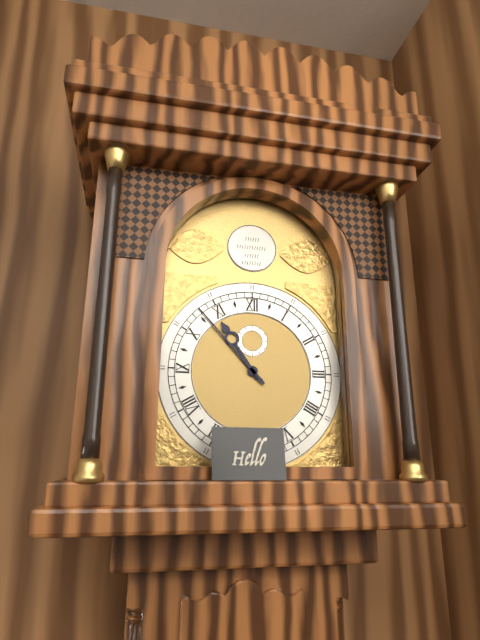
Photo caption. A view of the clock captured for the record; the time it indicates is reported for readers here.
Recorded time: 10:53
